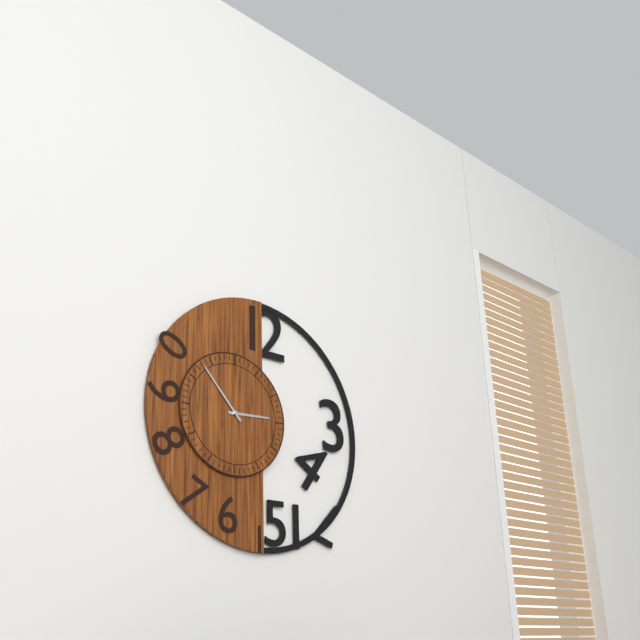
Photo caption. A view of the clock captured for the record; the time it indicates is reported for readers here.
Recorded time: 2:53
